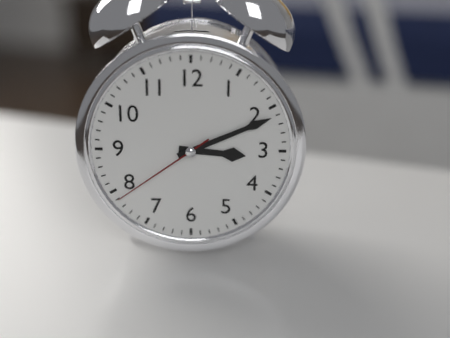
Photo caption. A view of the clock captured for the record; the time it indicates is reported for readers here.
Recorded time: 3:11:39
